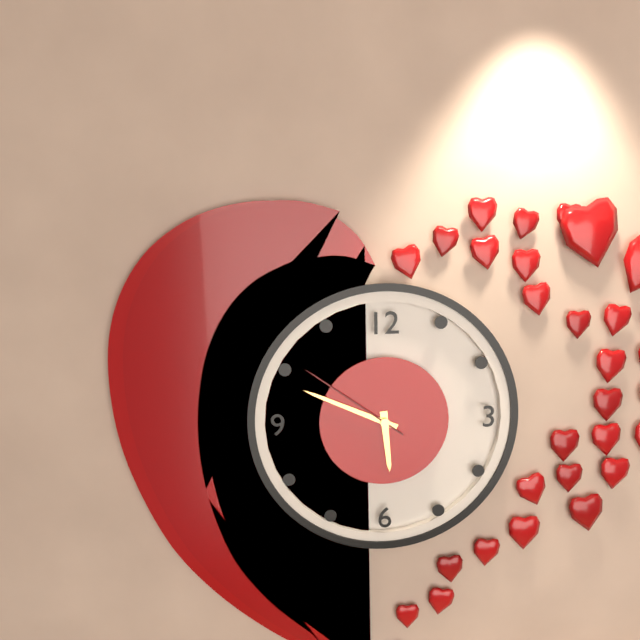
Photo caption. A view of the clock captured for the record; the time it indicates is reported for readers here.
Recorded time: 5:49:51
